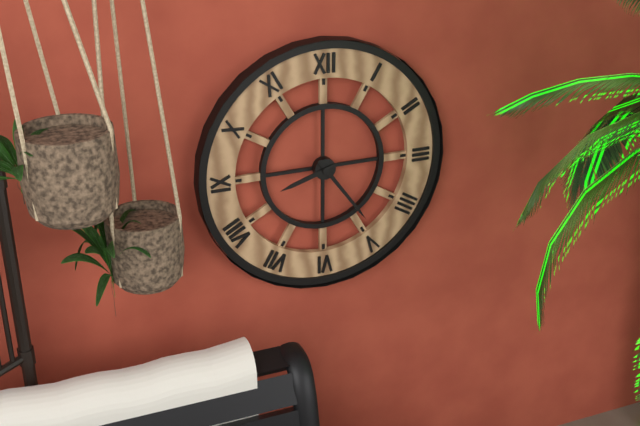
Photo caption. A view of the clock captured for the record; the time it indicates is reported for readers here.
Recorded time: 8:24
